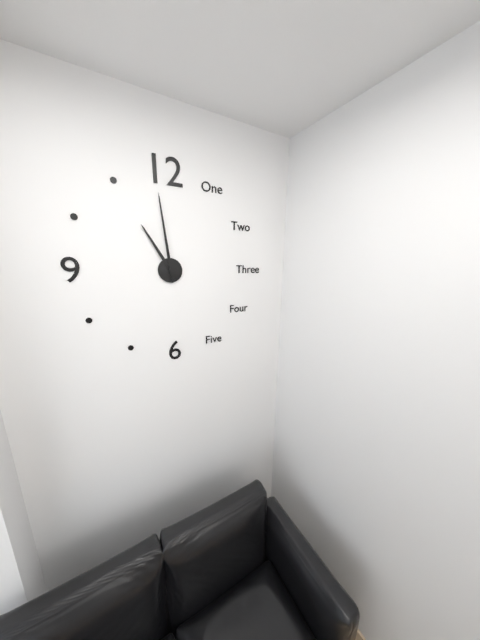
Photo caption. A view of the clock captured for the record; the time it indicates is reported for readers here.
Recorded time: 10:59
